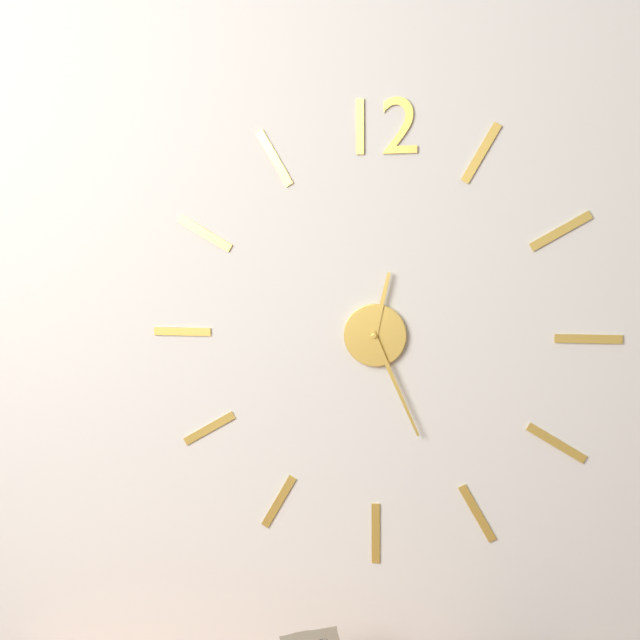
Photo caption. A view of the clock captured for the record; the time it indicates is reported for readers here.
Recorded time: 12:26
